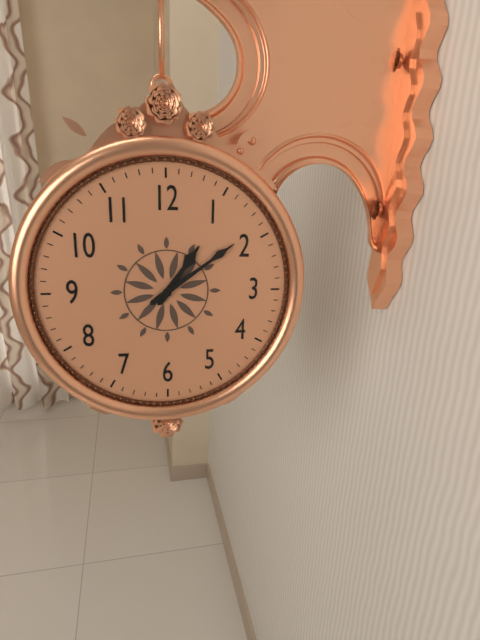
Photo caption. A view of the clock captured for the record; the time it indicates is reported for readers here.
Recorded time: 1:09
